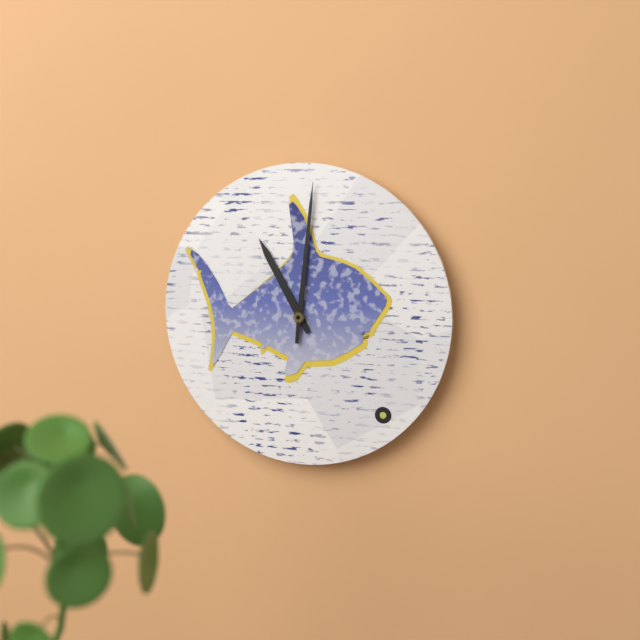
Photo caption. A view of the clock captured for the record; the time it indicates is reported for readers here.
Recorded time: 11:01
